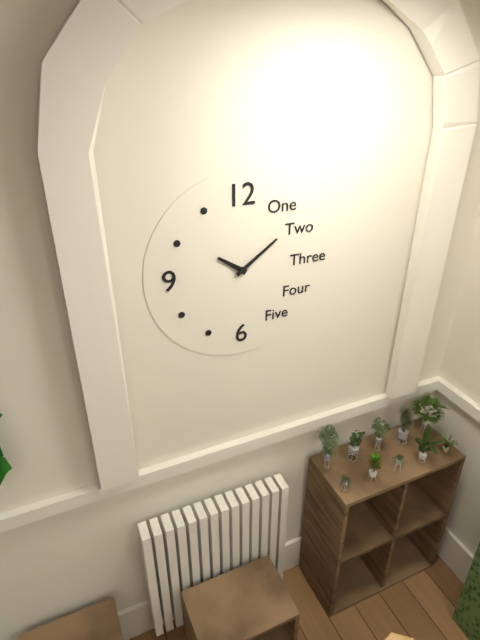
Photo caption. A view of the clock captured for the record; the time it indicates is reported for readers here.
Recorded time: 10:09
